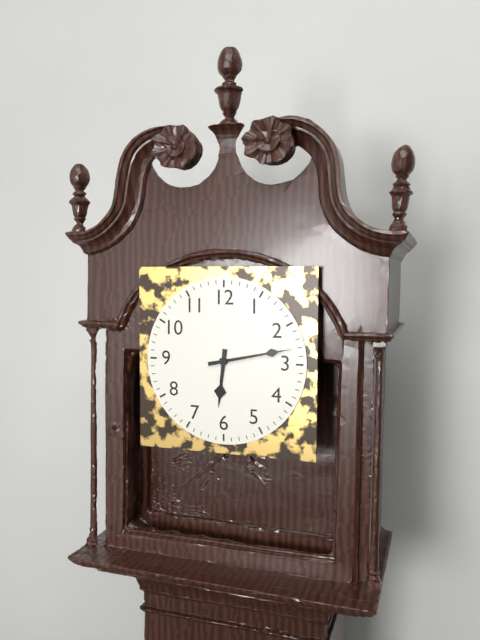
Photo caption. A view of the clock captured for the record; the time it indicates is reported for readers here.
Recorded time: 6:13
